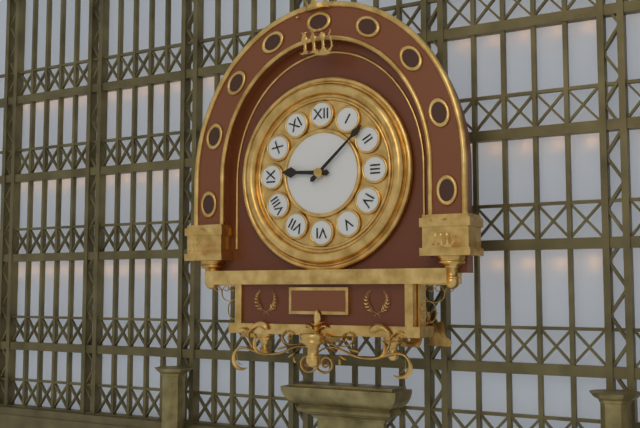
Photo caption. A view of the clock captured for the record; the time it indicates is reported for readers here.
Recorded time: 9:08
